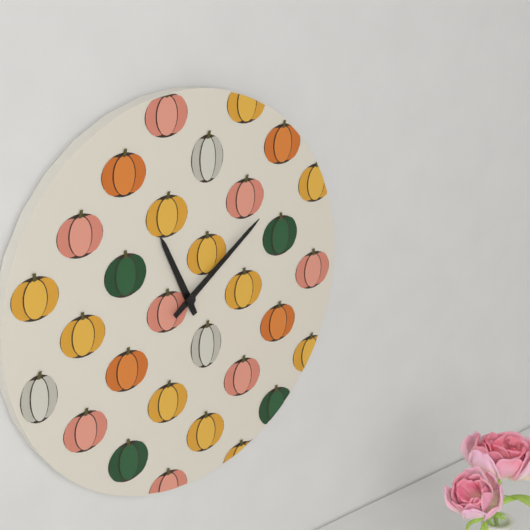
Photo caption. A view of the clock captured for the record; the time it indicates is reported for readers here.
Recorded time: 11:09
